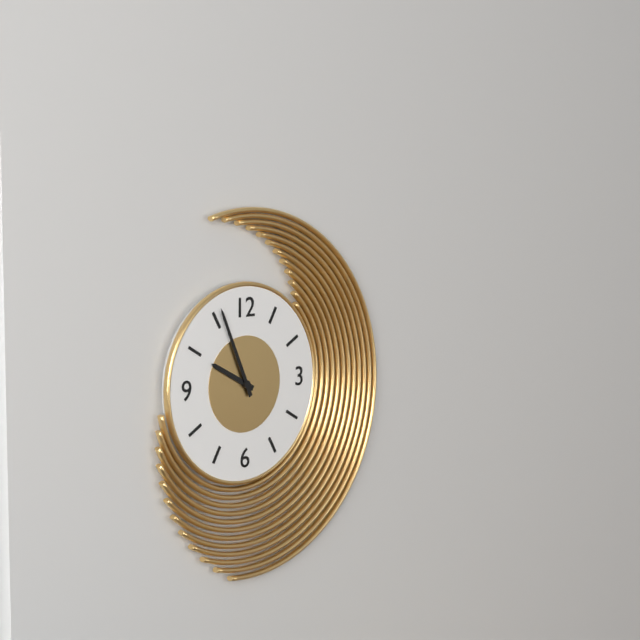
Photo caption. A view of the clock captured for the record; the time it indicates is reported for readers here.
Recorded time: 9:56
